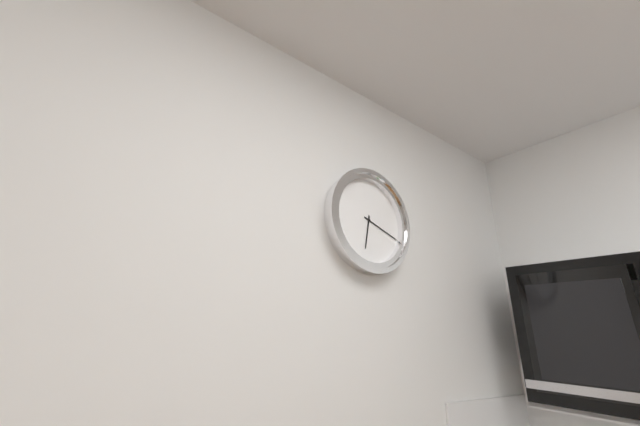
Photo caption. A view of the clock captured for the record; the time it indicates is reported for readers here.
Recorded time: 6:18
